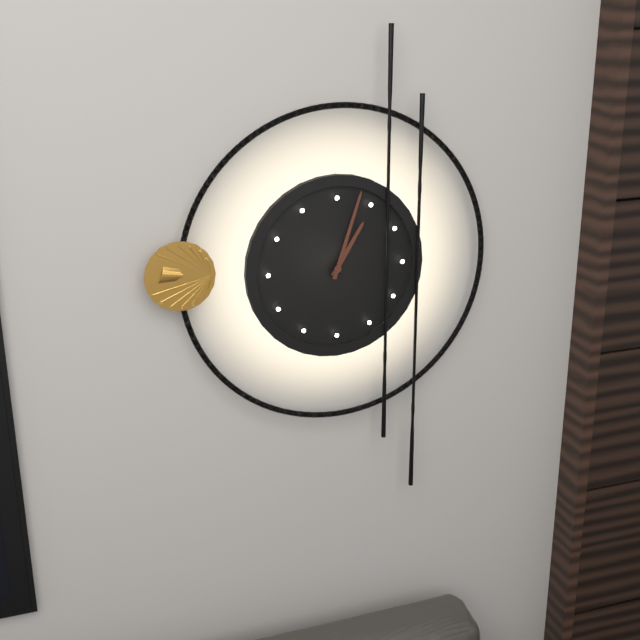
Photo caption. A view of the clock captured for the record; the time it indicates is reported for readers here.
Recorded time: 1:03
